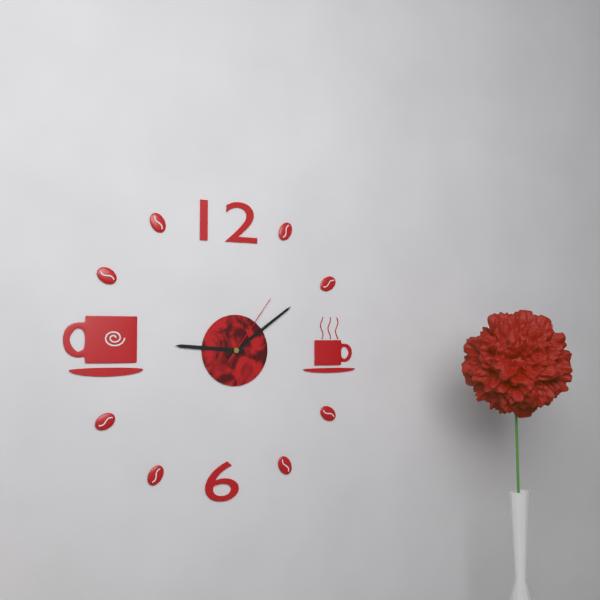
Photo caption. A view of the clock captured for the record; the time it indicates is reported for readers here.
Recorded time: 9:09:06
